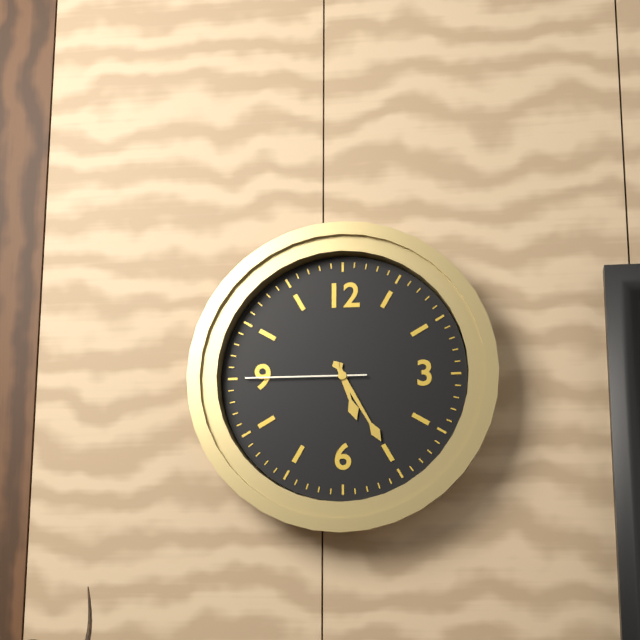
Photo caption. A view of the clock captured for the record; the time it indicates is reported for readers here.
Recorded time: 5:25:45
